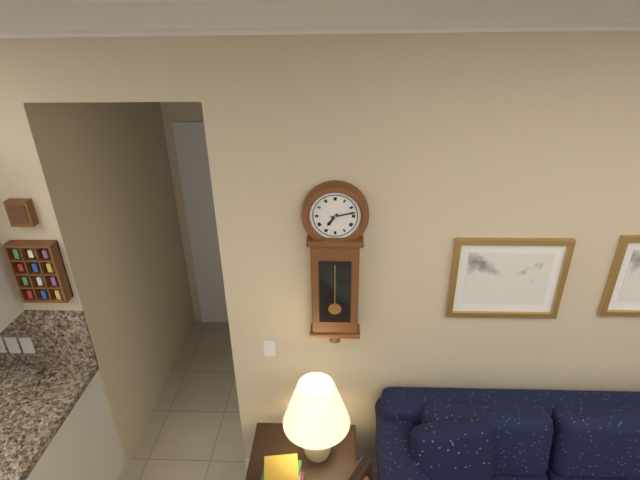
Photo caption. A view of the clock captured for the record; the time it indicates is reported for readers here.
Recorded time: 7:13
